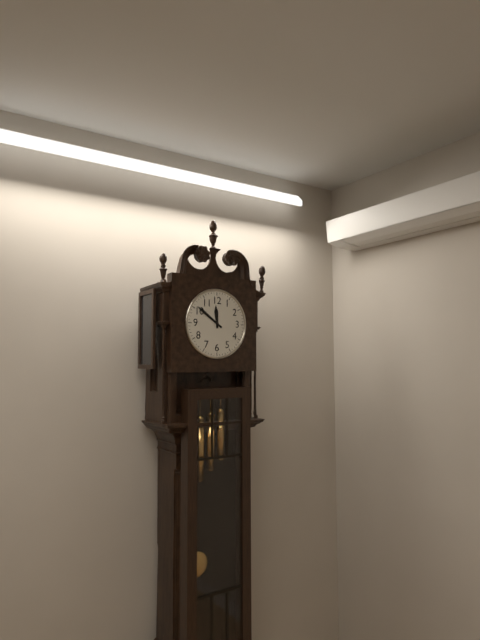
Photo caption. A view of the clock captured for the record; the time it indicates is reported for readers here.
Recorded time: 11:51
